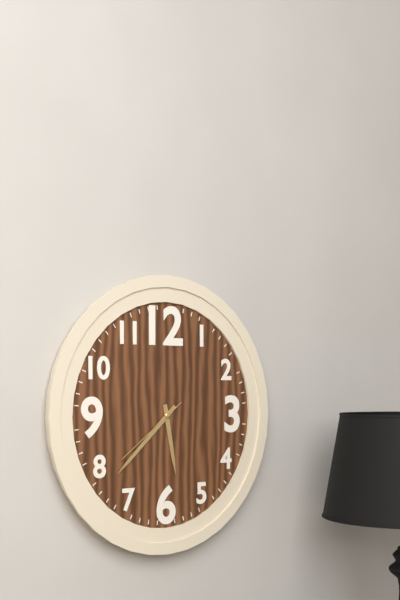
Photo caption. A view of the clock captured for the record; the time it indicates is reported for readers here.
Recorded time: 5:38:39
